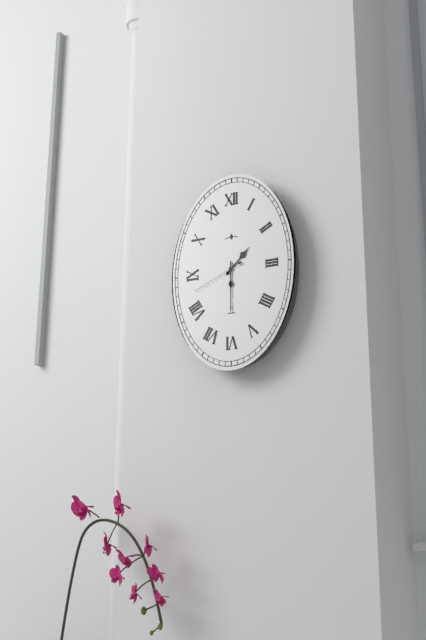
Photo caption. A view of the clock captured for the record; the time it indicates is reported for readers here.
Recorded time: 1:30:41
